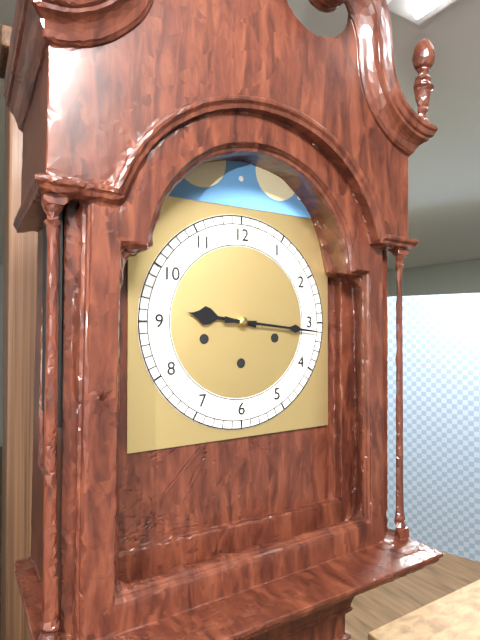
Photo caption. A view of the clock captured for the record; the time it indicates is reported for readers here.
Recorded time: 9:16
